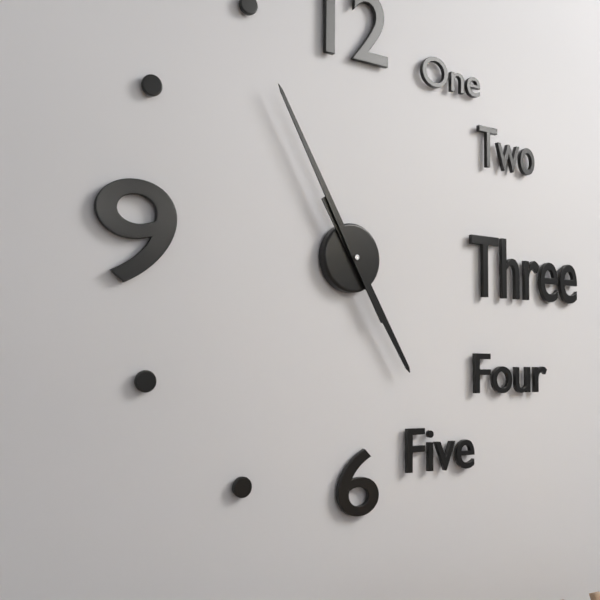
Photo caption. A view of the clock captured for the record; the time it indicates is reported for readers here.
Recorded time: 4:55
